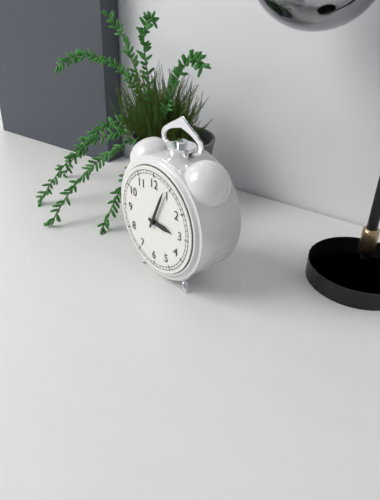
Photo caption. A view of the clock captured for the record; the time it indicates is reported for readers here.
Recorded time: 3:04
